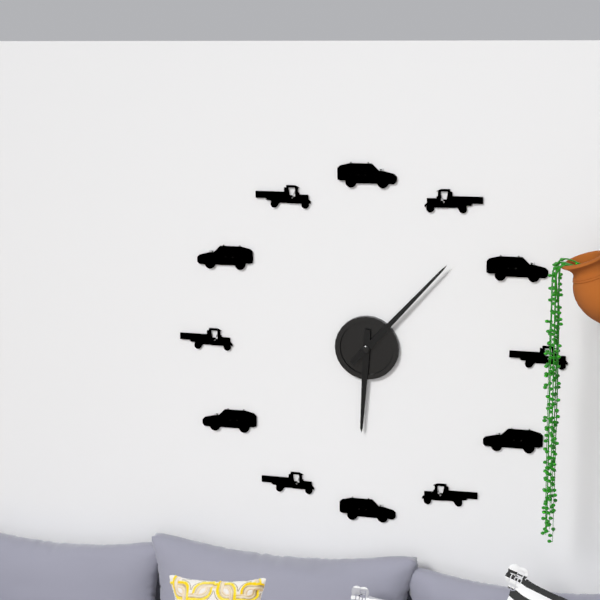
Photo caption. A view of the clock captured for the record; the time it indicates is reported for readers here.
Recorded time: 6:07
